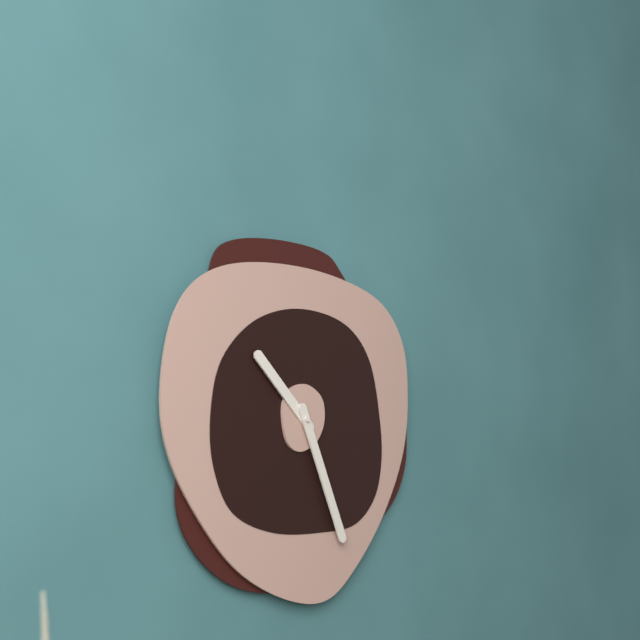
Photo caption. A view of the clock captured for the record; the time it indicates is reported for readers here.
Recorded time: 10:26
